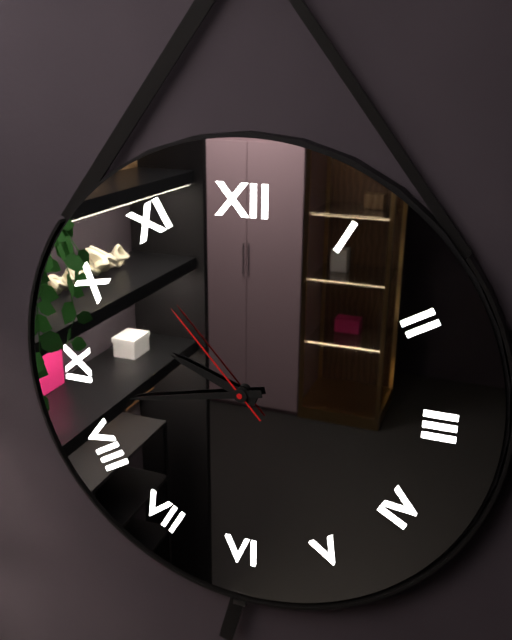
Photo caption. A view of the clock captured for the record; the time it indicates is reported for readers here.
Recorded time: 9:43:53
